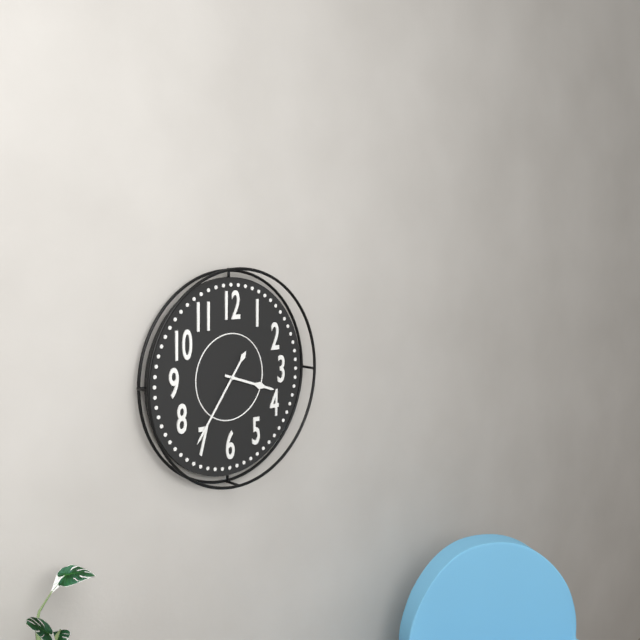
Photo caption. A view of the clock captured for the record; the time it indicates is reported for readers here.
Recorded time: 3:36
